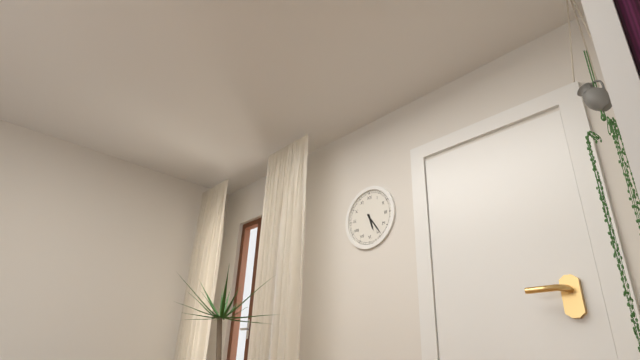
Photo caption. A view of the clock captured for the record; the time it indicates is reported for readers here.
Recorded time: 5:24
